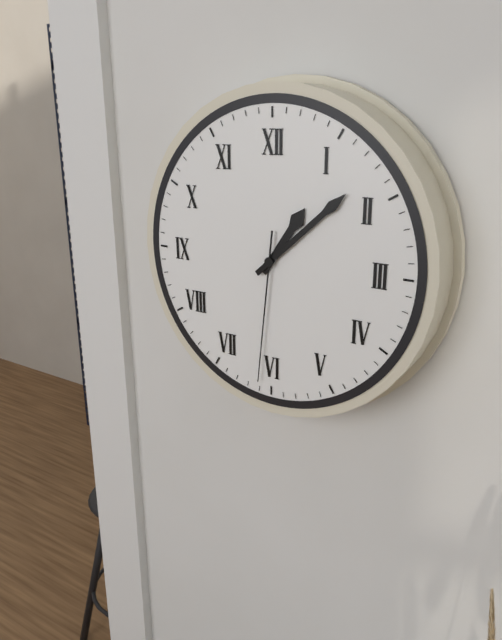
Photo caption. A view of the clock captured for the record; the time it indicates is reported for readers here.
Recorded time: 1:08:31
